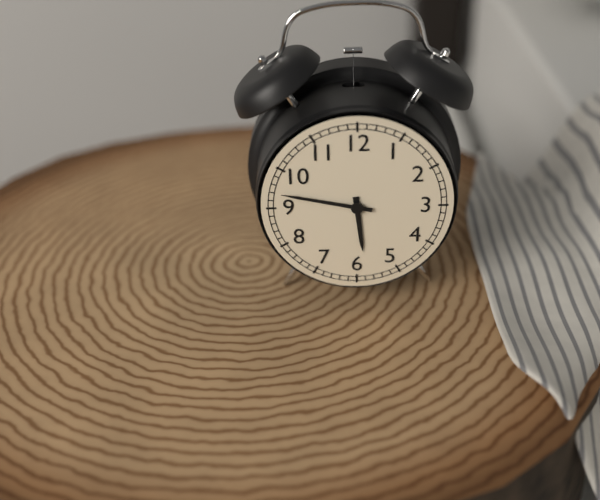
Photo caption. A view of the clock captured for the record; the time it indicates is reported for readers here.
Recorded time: 5:47
